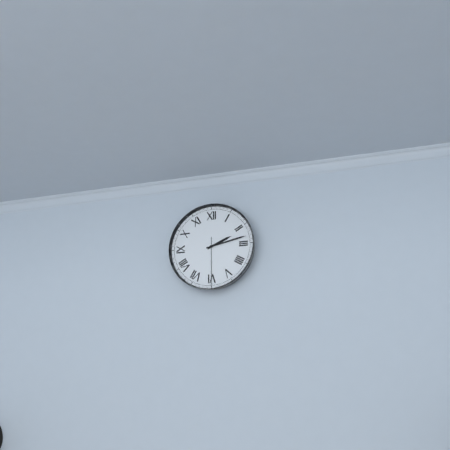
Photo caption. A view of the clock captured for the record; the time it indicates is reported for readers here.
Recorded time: 2:13
